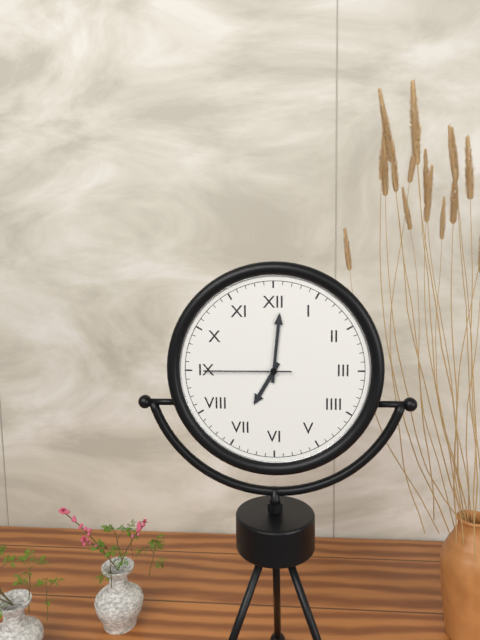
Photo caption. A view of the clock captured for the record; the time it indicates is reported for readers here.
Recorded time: 7:01:45
